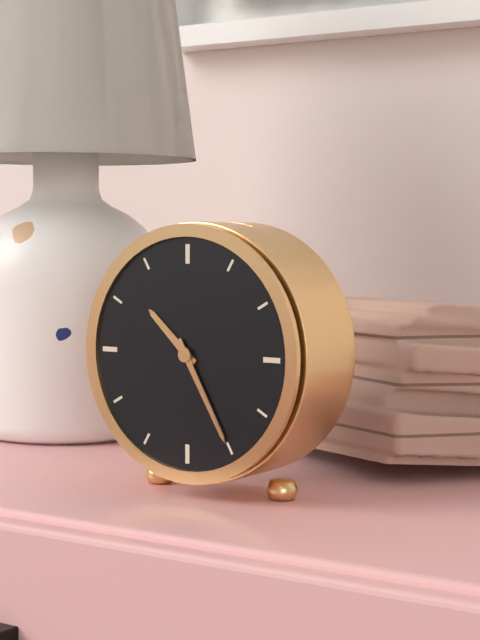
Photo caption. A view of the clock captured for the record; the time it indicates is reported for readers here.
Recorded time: 10:25
